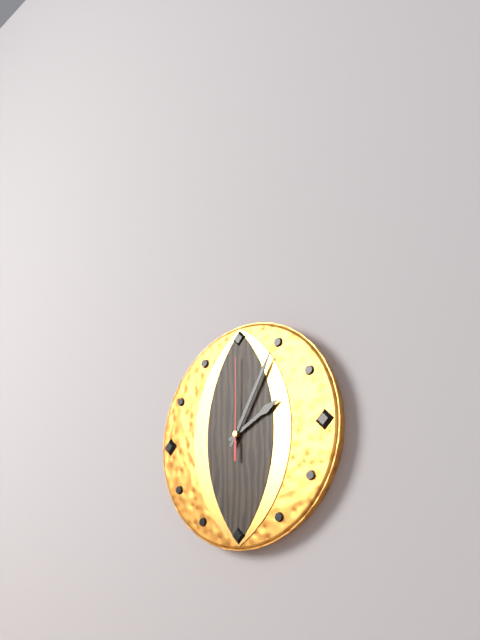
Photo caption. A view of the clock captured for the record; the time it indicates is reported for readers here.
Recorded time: 2:05:00
